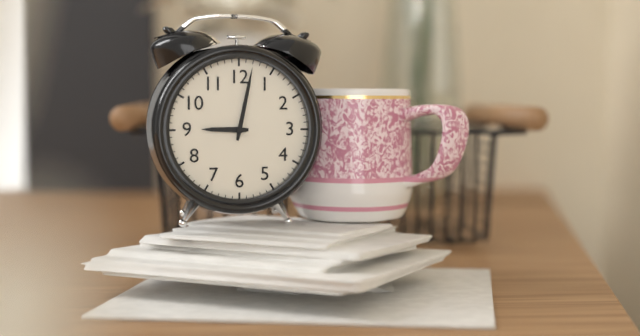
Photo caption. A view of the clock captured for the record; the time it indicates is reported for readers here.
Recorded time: 9:02
